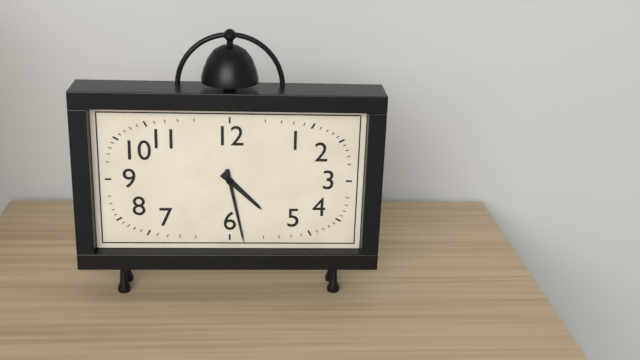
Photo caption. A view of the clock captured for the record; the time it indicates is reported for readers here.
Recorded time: 4:28
